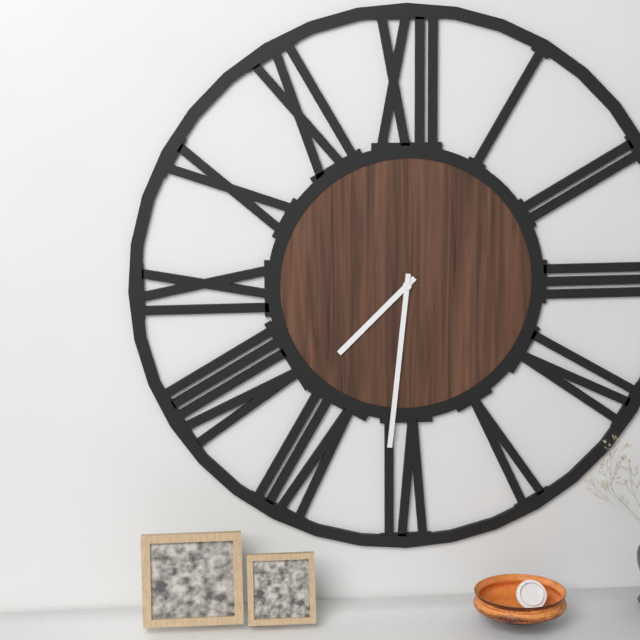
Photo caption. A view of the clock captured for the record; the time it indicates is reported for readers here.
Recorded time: 7:31
